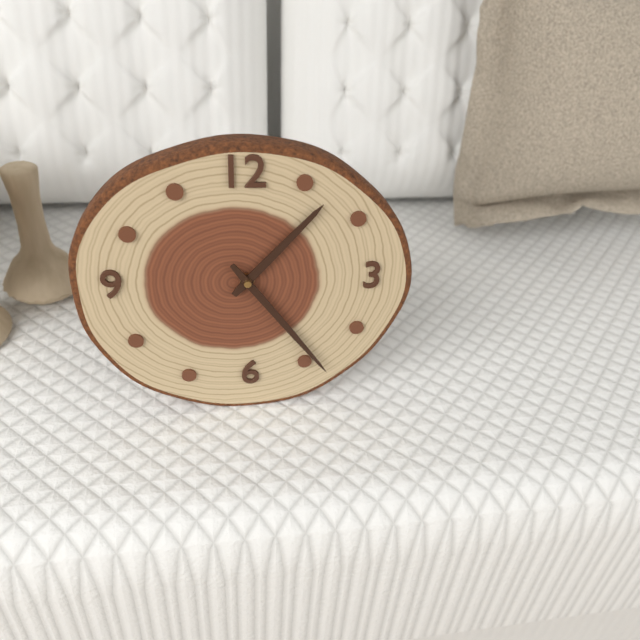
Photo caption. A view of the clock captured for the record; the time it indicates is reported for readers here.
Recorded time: 1:24
